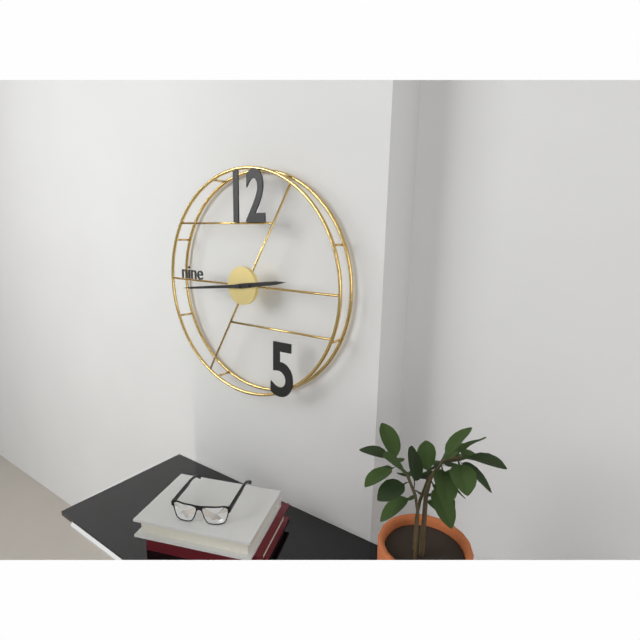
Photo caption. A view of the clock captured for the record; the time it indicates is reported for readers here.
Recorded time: 2:44
